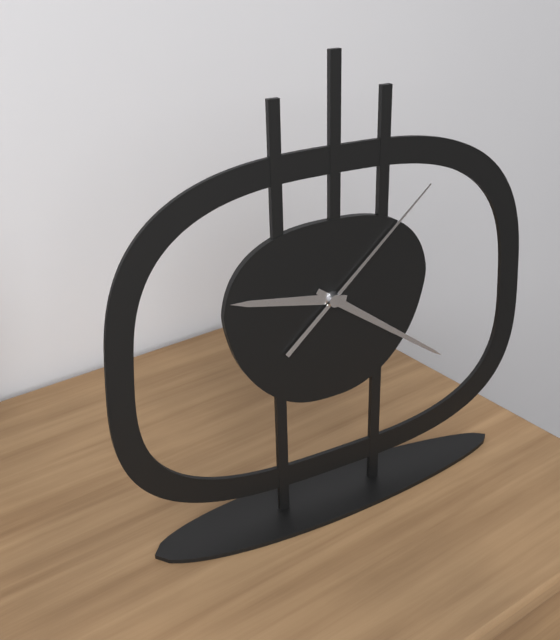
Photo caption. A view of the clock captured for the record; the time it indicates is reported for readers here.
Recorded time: 9:21:08
